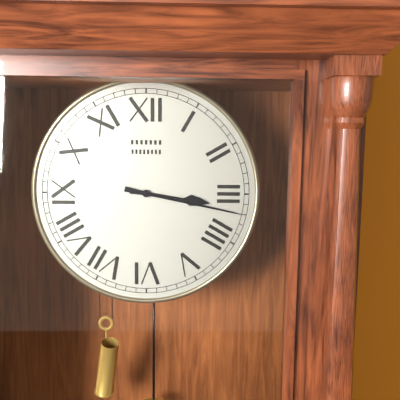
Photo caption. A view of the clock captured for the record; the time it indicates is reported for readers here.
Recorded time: 3:17
